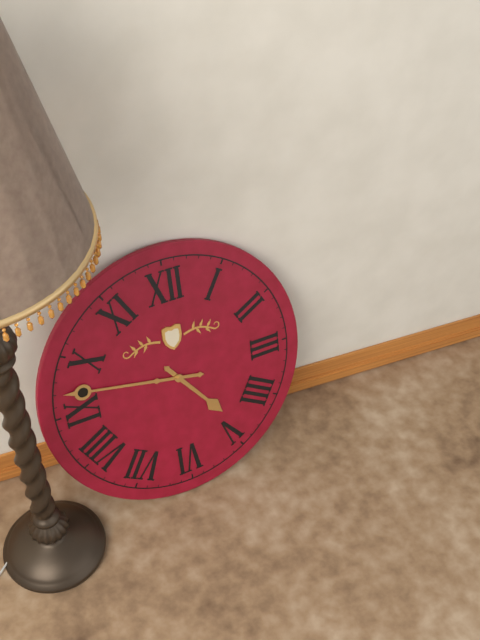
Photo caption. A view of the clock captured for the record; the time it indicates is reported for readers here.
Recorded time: 4:47
